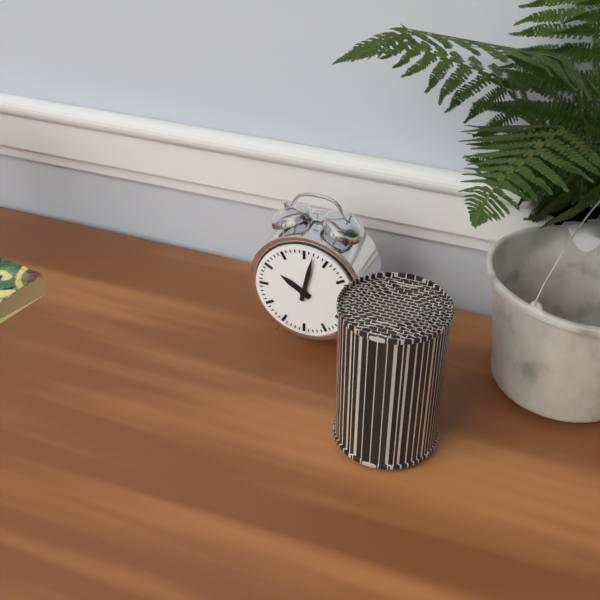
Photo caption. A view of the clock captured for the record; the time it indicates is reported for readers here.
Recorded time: 10:02
